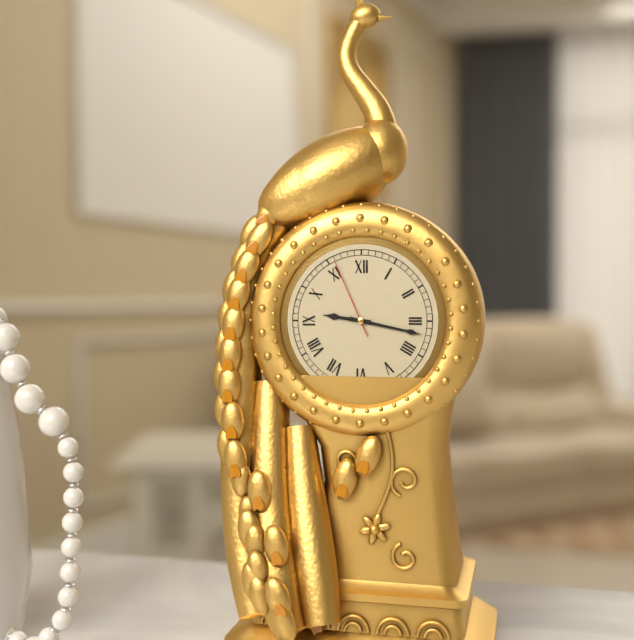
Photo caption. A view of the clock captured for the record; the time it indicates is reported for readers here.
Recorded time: 9:17:56
